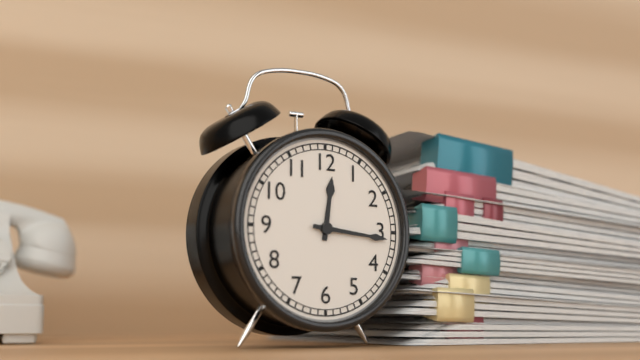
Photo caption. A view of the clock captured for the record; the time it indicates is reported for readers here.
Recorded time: 12:16
